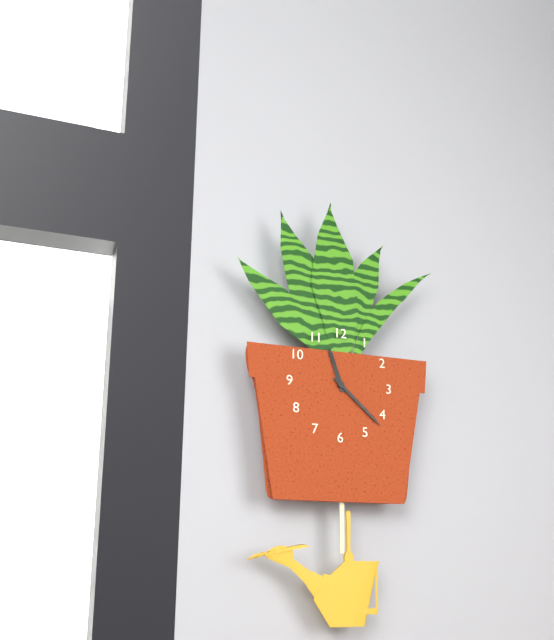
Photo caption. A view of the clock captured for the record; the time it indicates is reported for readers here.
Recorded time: 11:22
